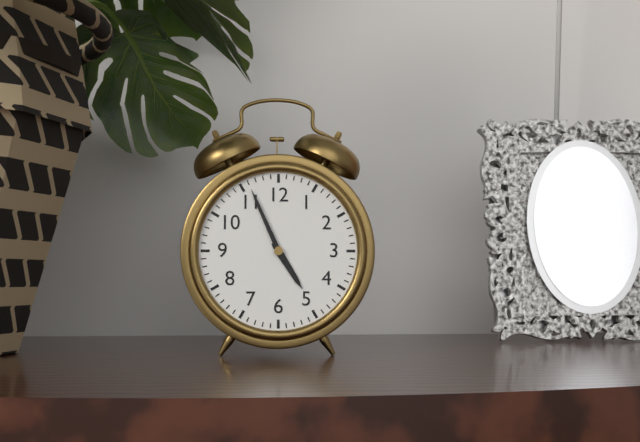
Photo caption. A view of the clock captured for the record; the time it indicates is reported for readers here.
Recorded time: 4:56
